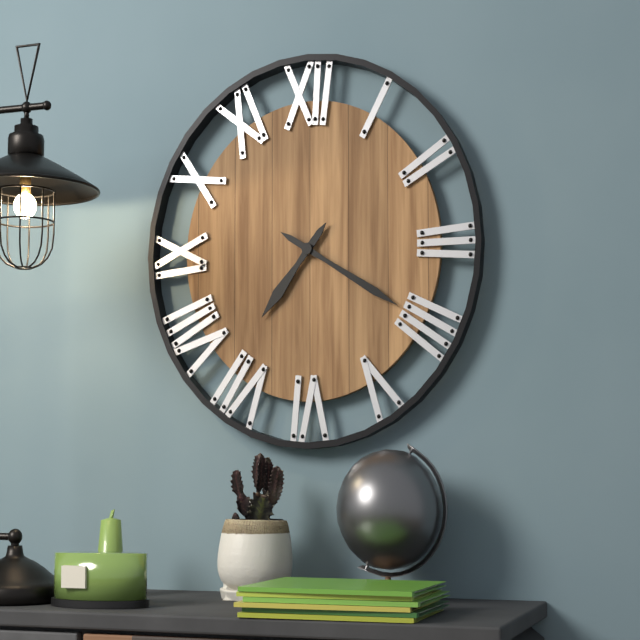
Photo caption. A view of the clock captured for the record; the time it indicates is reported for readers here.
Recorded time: 7:20
